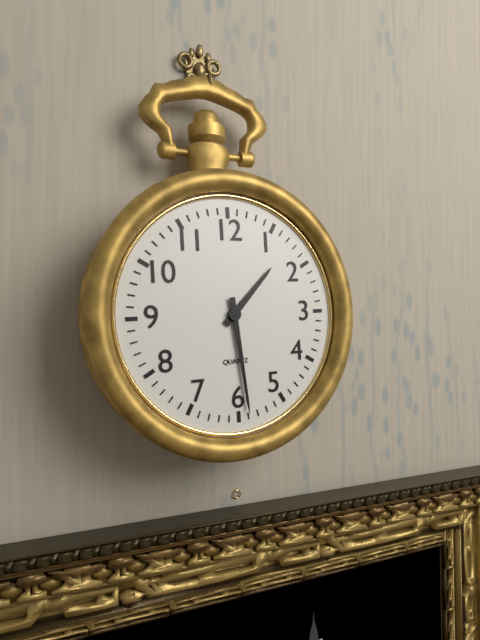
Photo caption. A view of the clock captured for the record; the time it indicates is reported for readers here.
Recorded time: 1:29
